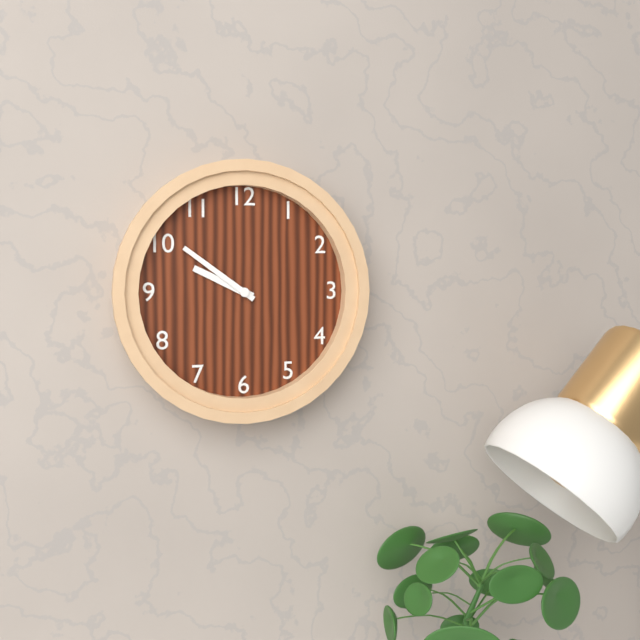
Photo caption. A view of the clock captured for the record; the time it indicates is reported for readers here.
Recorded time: 9:51
